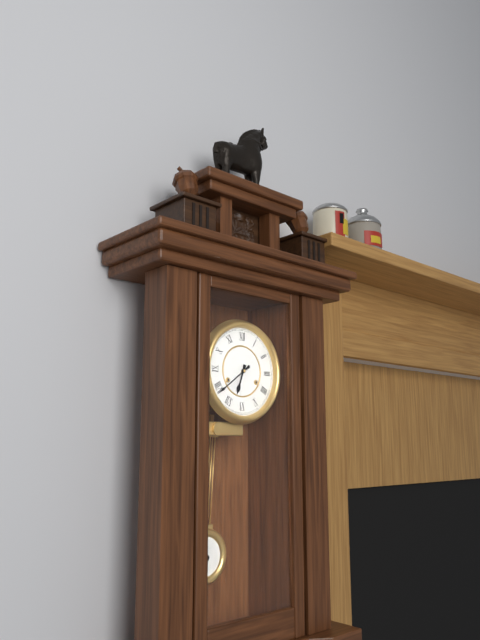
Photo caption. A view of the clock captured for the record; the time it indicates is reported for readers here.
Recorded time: 6:39
